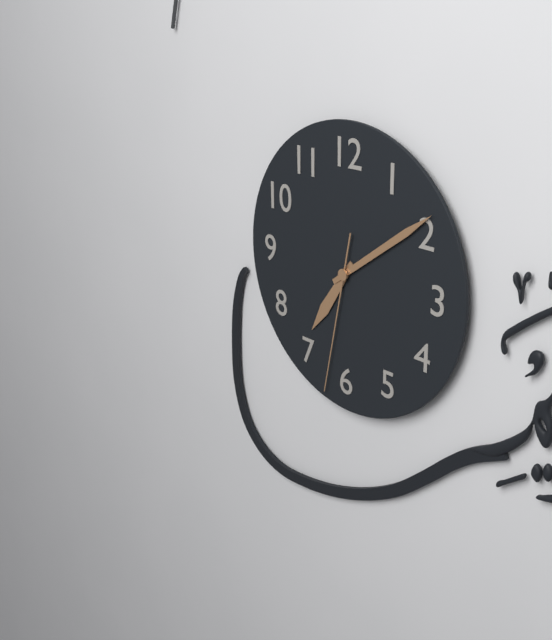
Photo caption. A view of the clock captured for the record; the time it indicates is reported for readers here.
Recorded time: 7:09:32
